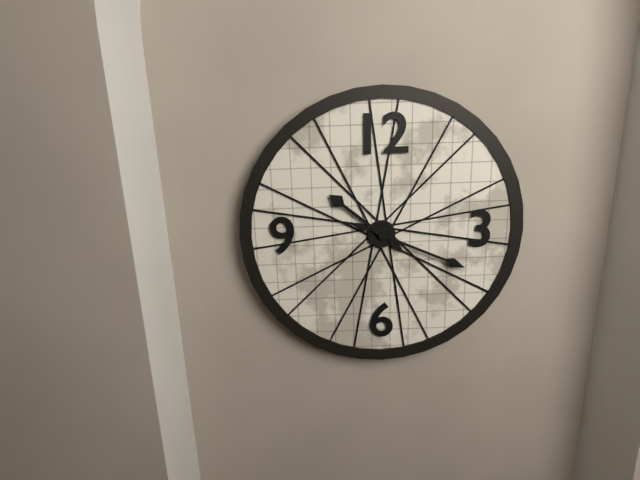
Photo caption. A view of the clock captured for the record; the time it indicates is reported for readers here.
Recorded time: 10:19
